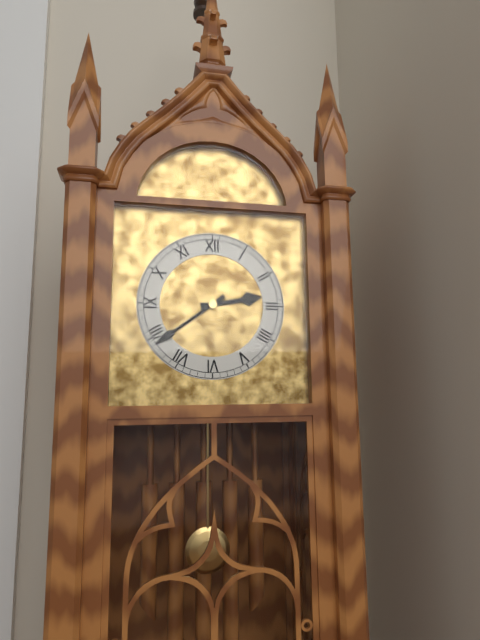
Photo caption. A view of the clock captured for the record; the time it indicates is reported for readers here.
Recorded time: 2:39
